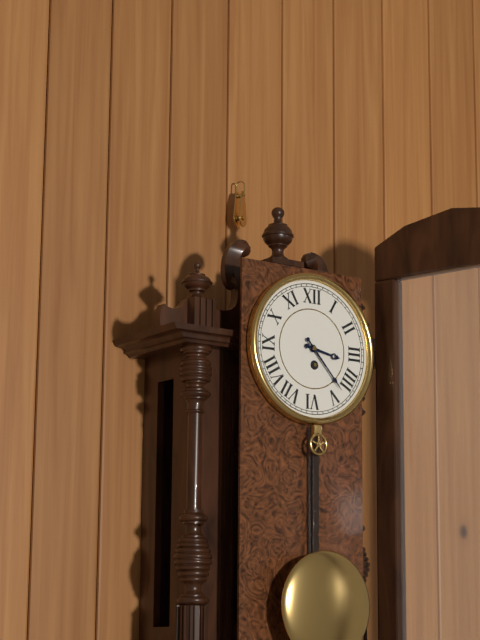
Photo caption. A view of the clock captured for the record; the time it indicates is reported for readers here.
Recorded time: 3:23
